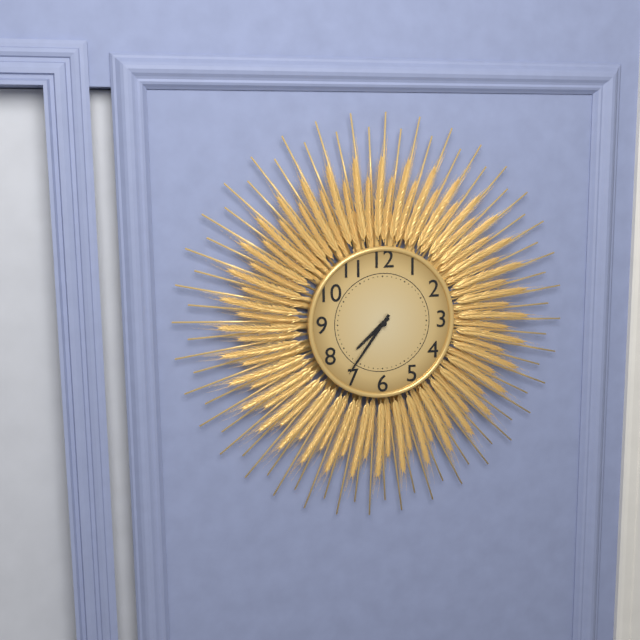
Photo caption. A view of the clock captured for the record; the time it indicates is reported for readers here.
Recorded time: 7:36
